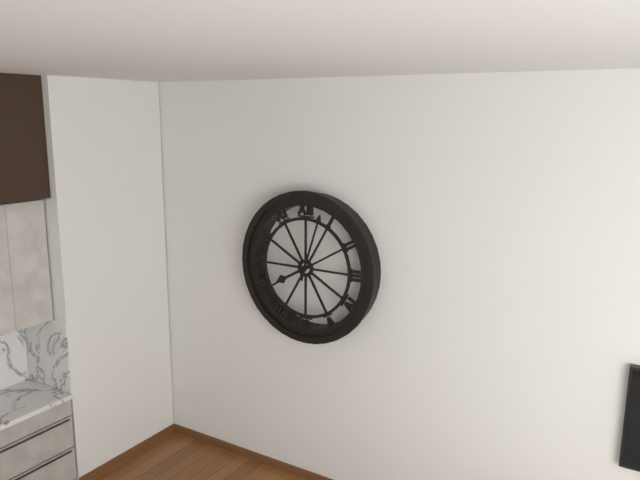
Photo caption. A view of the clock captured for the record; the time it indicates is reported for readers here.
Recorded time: 8:03
